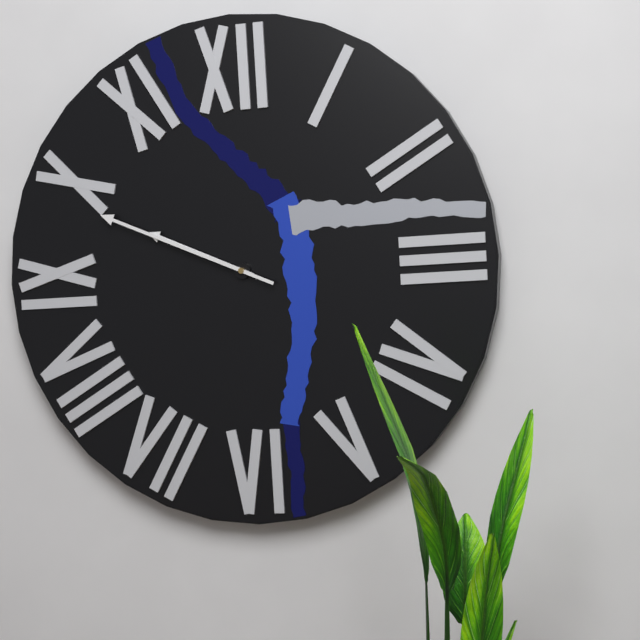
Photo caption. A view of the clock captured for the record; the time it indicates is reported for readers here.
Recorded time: 9:49
